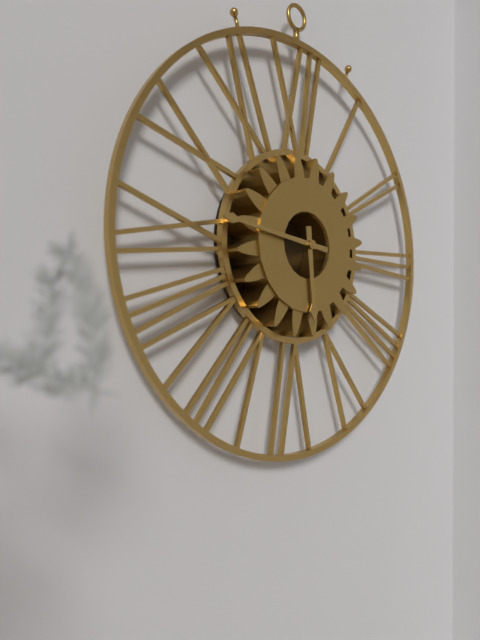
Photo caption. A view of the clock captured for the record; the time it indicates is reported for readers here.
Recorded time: 5:46
